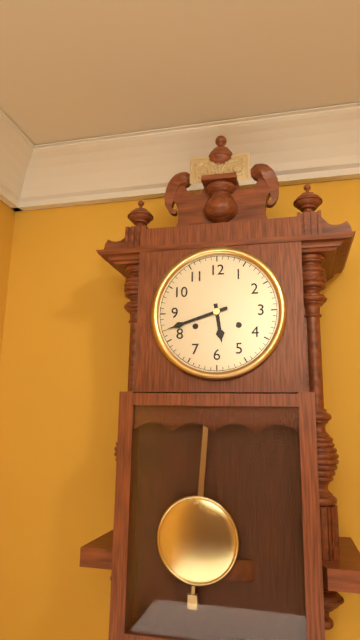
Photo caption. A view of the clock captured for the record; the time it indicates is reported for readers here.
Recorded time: 5:42
